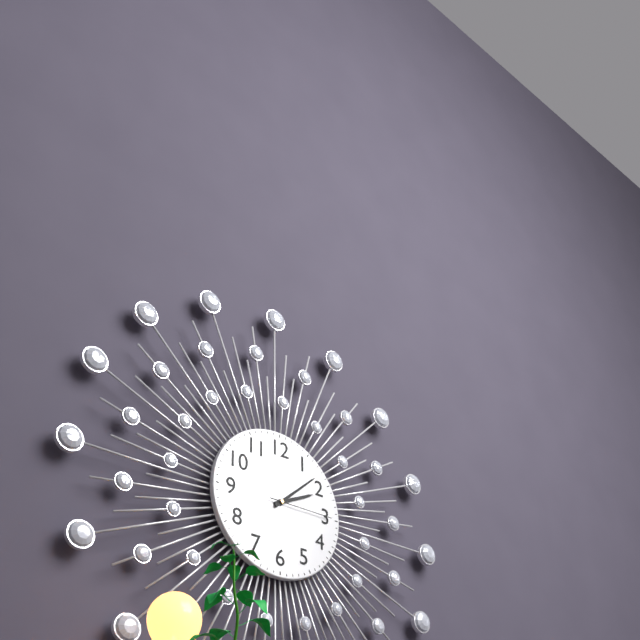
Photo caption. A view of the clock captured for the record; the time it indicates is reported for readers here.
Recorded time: 2:08:15
